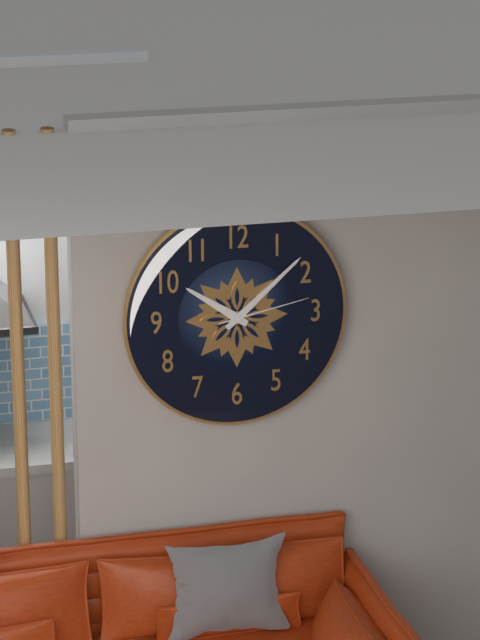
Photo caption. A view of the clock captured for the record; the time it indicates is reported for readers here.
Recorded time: 10:08:13
